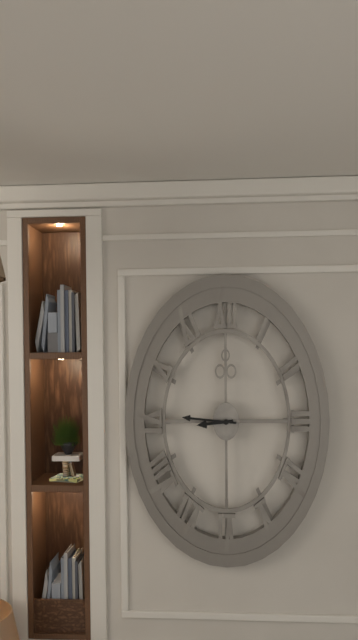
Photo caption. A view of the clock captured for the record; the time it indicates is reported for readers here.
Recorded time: 8:46
